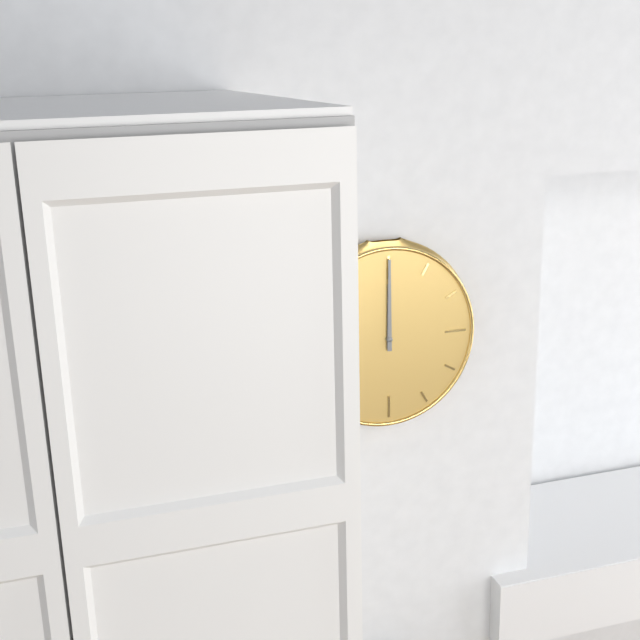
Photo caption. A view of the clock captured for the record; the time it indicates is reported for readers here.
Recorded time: 12:00
